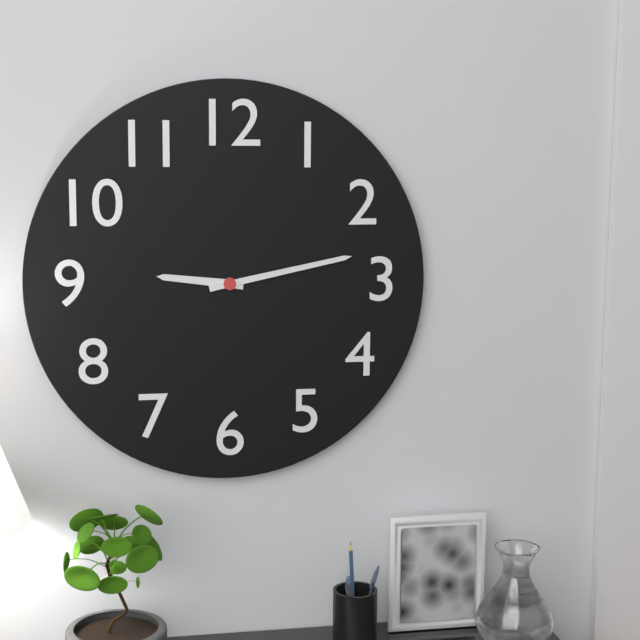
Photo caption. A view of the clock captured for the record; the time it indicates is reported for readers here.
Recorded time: 9:13
